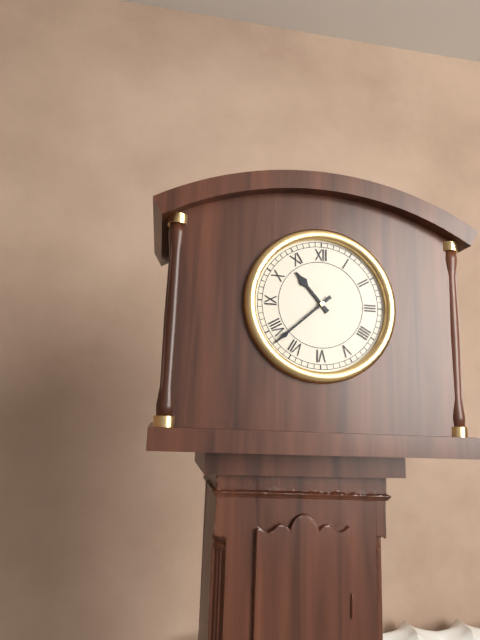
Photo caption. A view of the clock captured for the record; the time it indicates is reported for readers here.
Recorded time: 10:38
